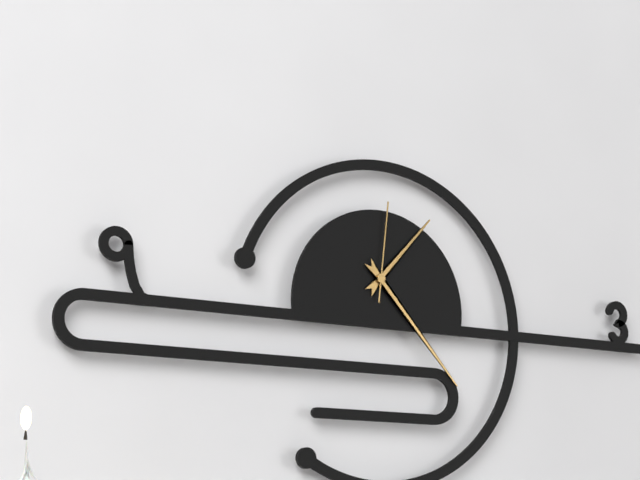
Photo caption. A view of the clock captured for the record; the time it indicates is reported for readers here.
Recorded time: 1:23:01
